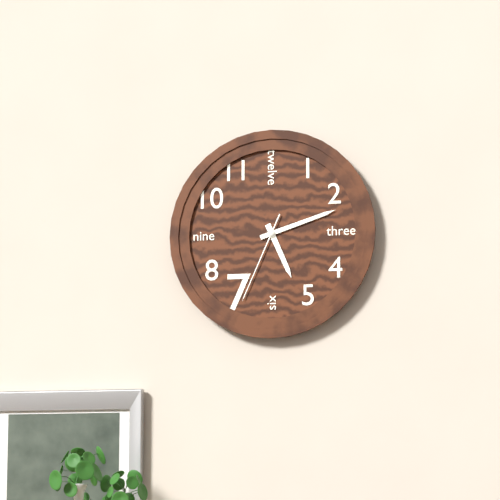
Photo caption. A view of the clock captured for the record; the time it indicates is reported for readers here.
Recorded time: 5:12:34
